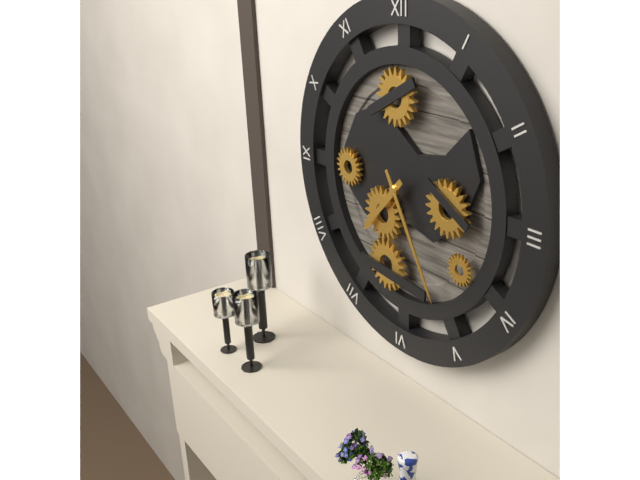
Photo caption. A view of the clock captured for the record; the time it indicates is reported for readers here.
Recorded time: 7:25
